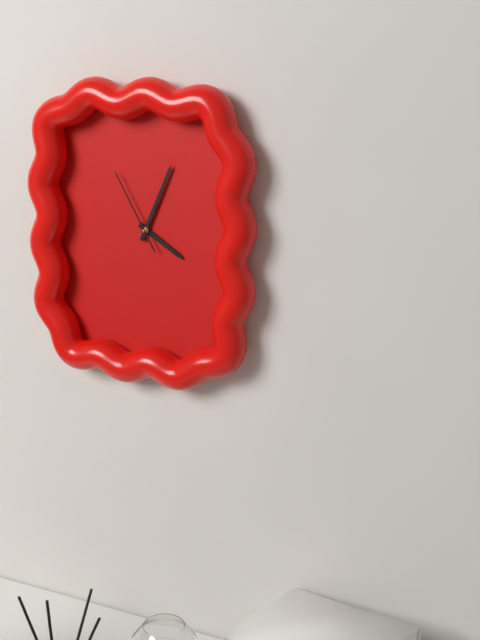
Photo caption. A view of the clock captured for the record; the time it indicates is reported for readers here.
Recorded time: 4:04:55
